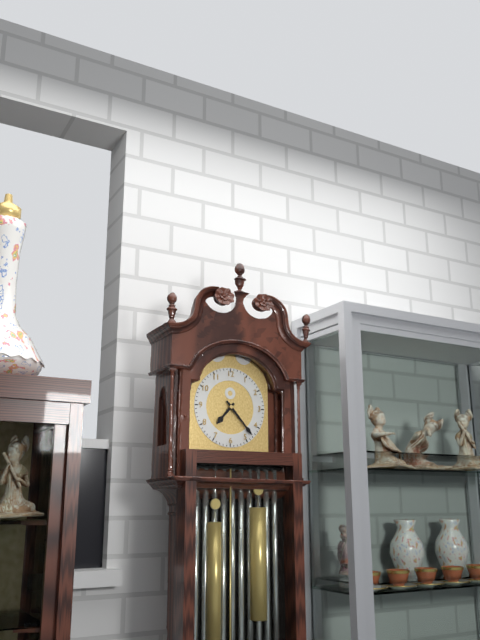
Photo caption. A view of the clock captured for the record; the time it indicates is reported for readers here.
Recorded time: 7:23
